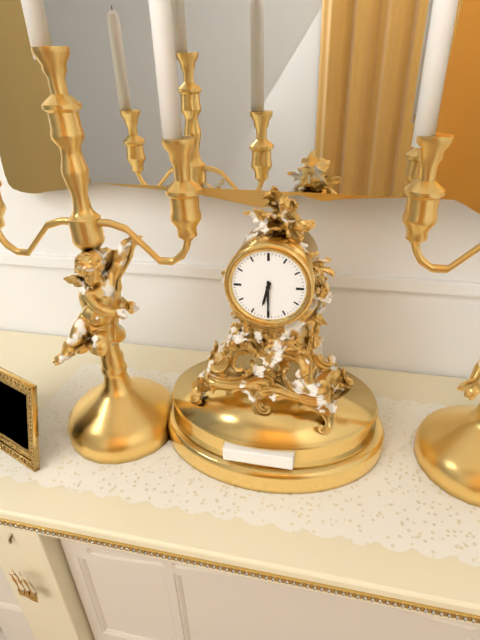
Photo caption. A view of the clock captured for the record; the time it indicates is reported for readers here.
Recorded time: 6:30
